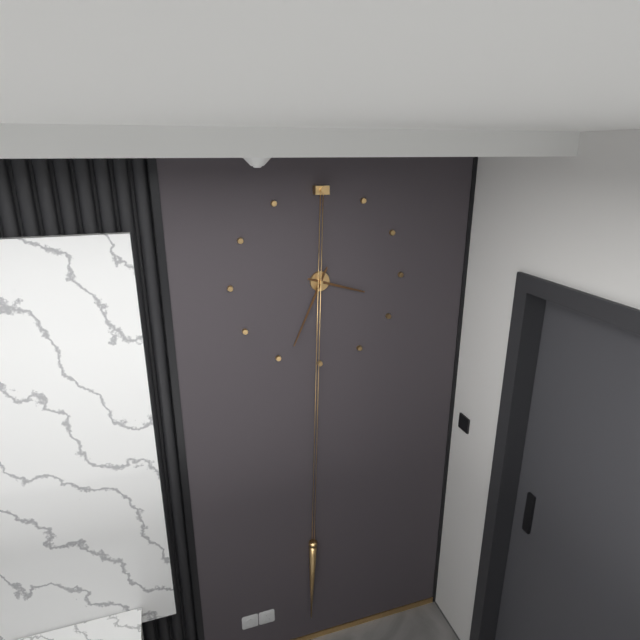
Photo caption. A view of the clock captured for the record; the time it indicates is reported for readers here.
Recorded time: 3:34
